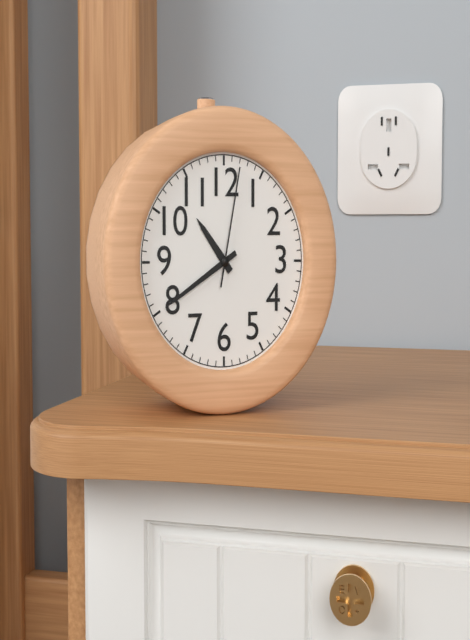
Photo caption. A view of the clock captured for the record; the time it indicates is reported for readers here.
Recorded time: 10:40:02
